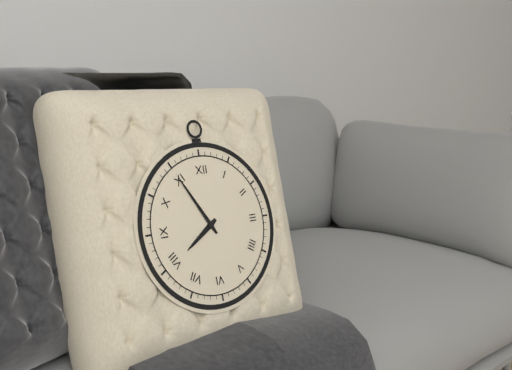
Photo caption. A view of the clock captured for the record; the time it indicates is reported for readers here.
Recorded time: 7:55
